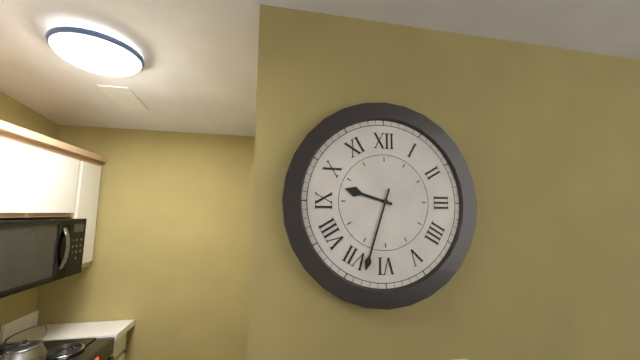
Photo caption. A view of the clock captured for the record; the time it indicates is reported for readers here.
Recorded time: 9:33
